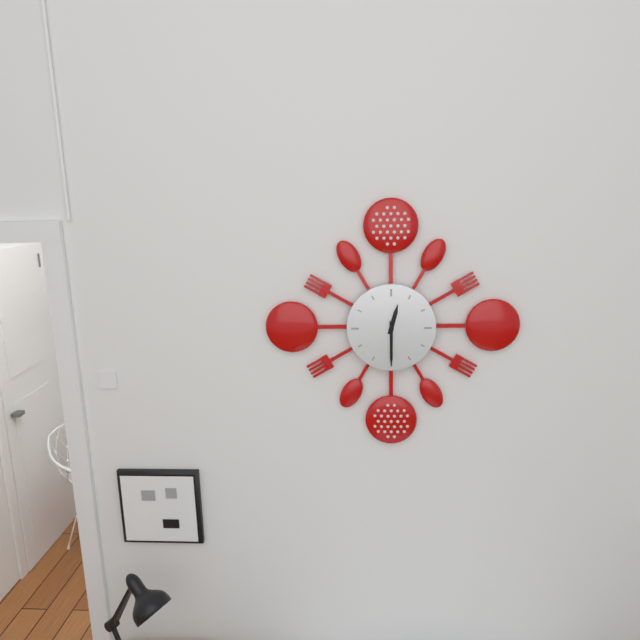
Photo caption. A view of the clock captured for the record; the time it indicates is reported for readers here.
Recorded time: 12:30
